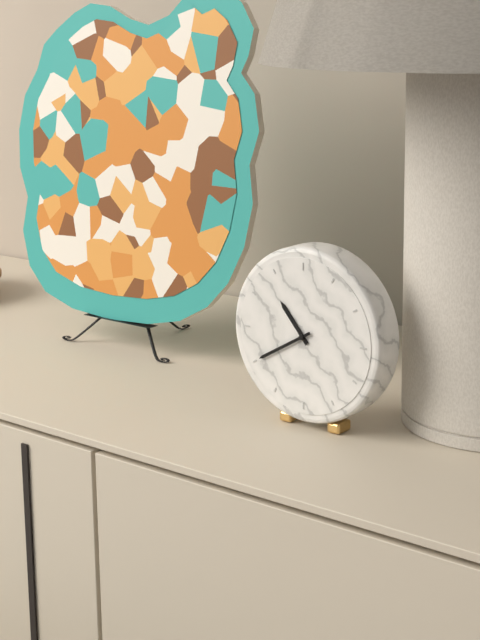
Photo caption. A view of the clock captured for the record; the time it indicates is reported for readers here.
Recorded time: 10:40
